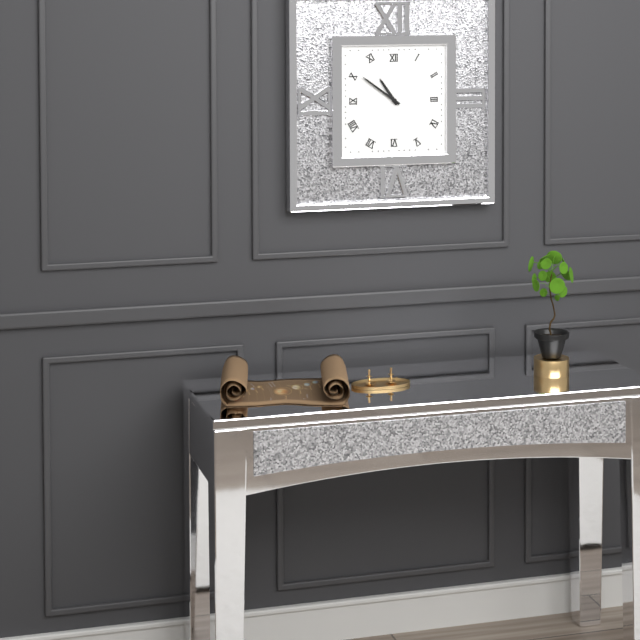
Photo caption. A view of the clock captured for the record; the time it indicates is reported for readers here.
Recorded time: 10:51
